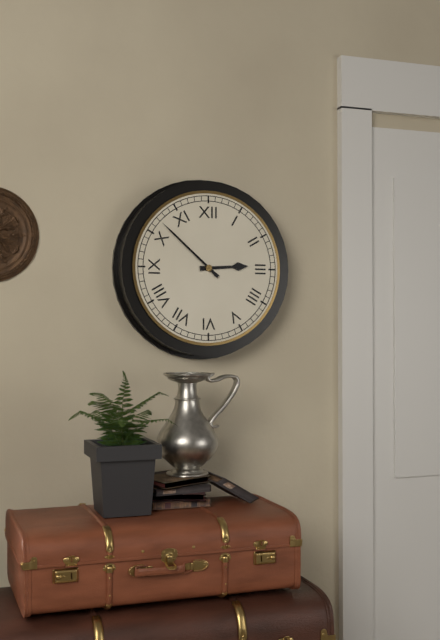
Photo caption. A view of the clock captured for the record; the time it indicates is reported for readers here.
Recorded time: 2:52
